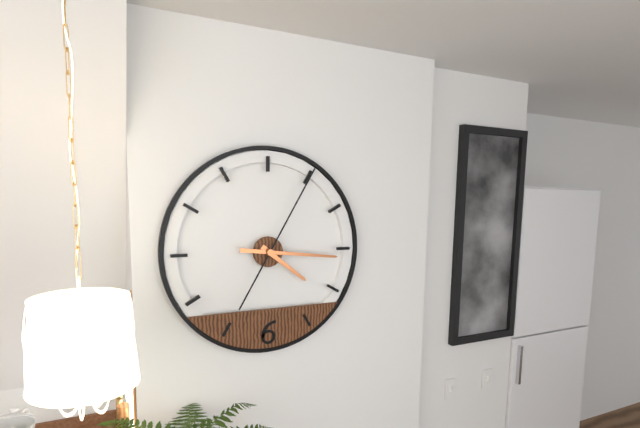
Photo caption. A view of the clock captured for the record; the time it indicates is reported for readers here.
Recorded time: 4:16:05
